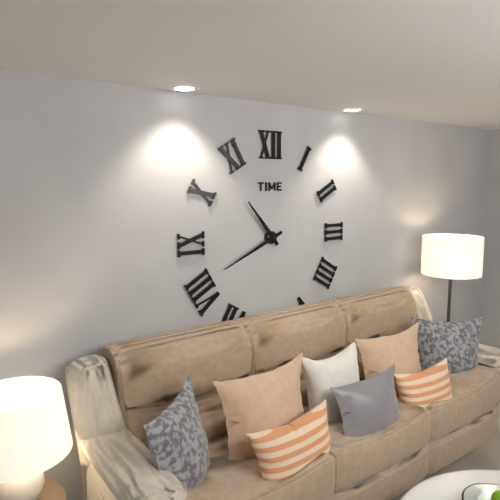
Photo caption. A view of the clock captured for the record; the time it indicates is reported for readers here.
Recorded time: 10:41
